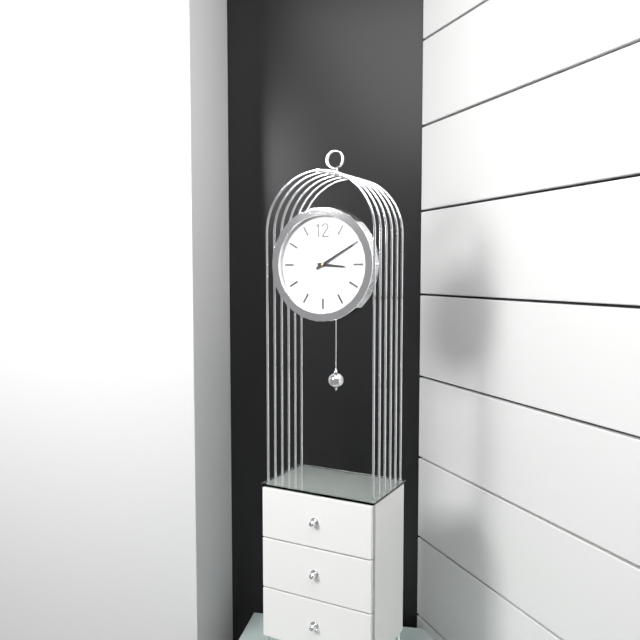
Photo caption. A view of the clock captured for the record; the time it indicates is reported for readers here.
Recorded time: 3:10
